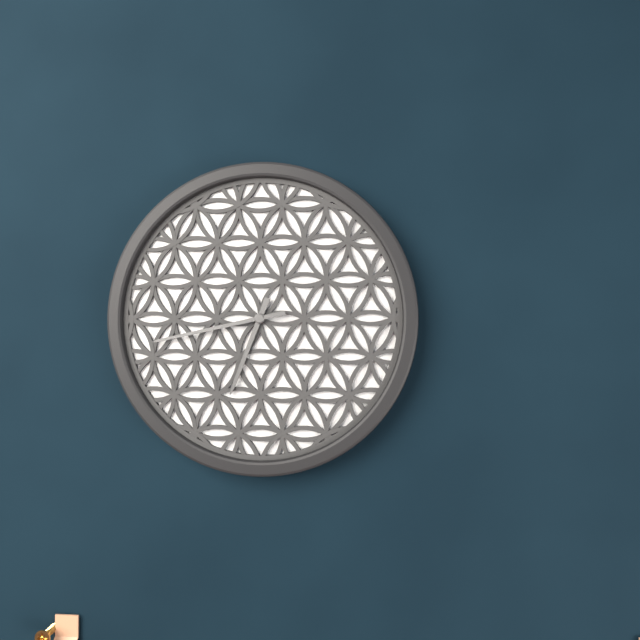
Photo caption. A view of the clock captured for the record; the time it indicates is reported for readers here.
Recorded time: 6:43
